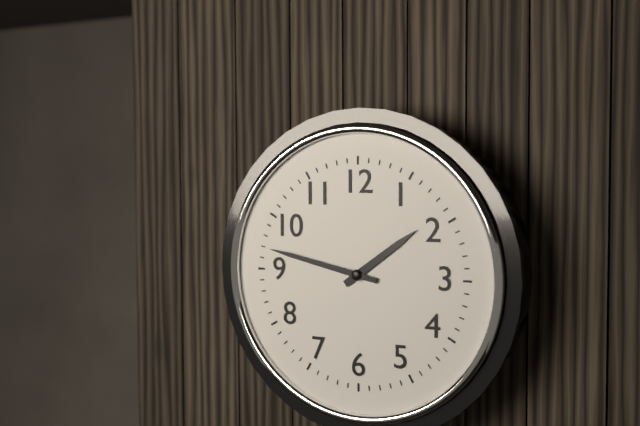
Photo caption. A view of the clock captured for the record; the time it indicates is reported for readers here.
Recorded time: 1:47
